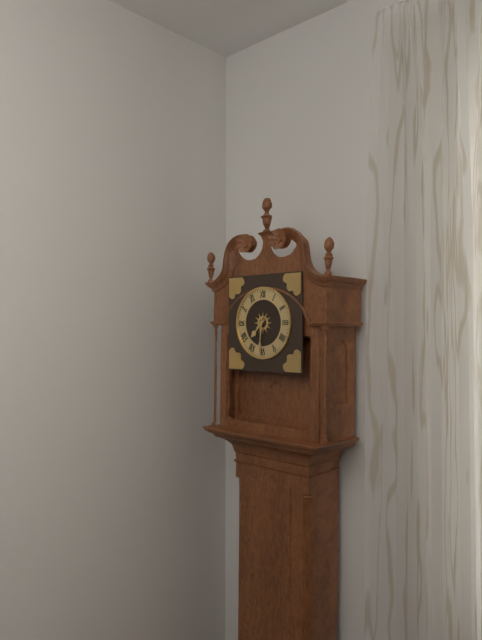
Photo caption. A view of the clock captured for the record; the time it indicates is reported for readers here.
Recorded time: 7:31
